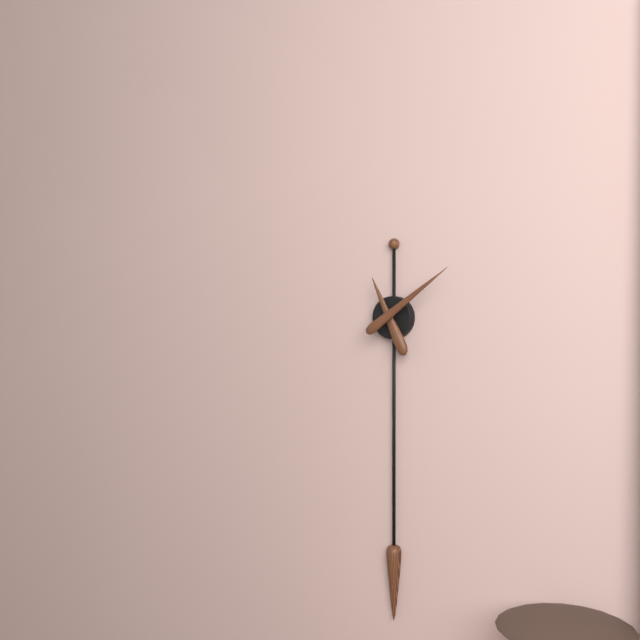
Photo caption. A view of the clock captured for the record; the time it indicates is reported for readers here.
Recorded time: 11:09
